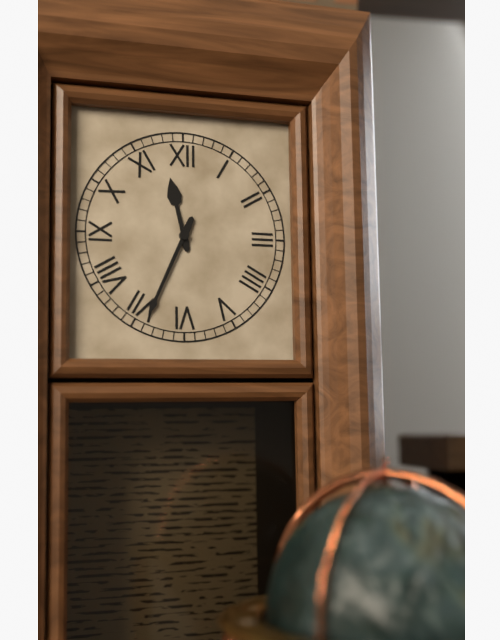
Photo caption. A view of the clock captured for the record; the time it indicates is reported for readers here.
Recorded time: 11:34
